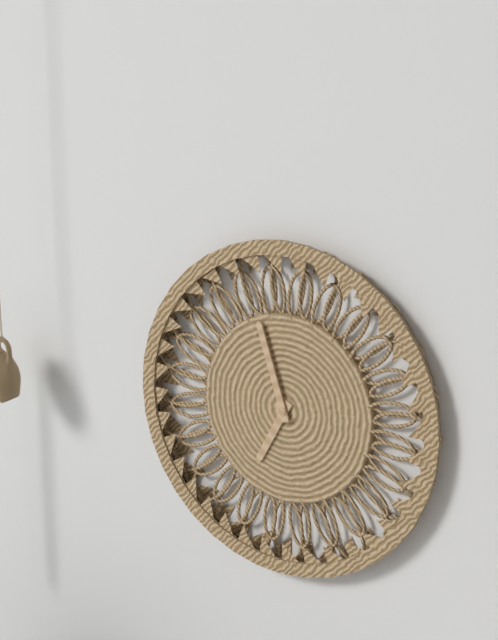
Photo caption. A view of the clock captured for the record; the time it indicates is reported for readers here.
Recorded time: 6:57
